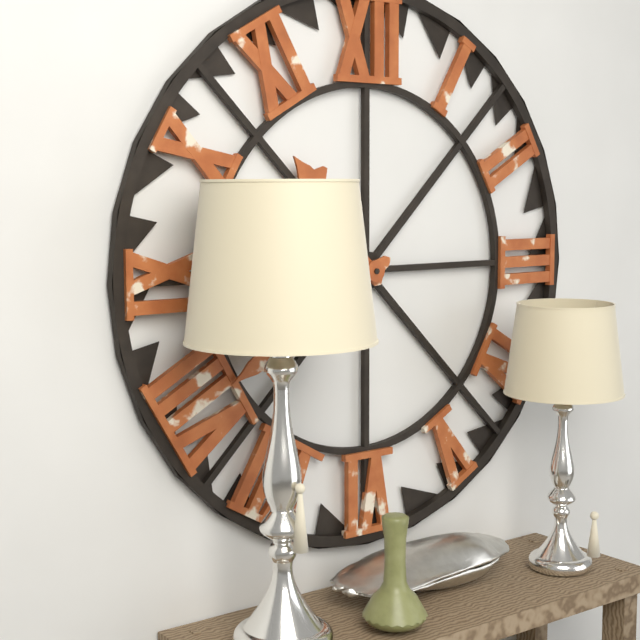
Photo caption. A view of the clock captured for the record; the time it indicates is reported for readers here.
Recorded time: 10:40
